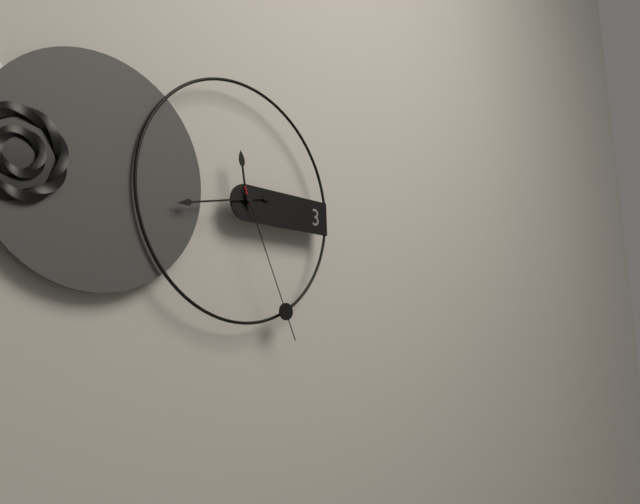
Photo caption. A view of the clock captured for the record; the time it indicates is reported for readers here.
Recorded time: 11:43:26
